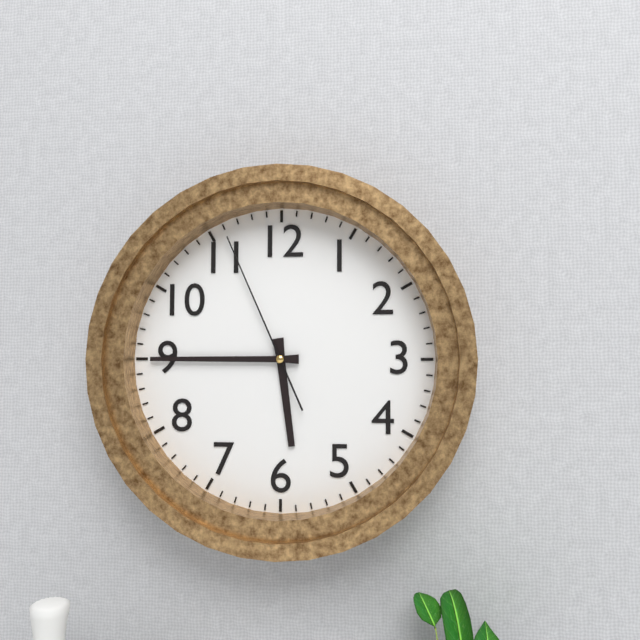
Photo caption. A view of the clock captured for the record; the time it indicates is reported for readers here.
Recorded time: 5:45:56
